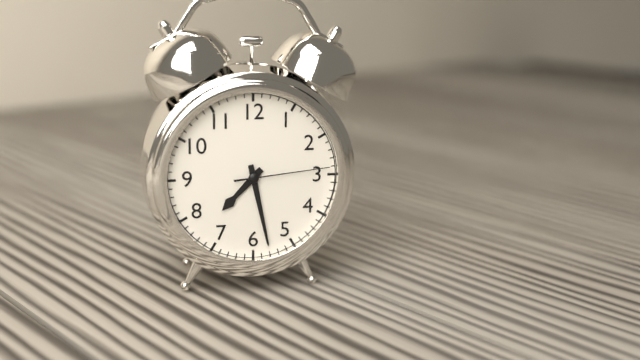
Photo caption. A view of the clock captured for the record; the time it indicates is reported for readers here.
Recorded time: 7:28:14
